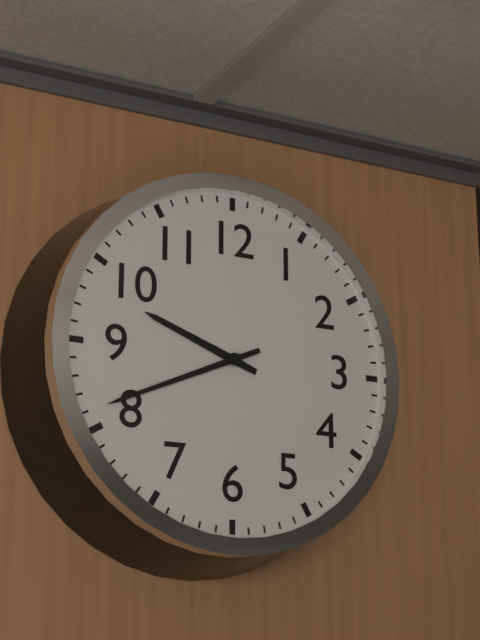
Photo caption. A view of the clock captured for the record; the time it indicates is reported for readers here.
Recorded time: 9:41
